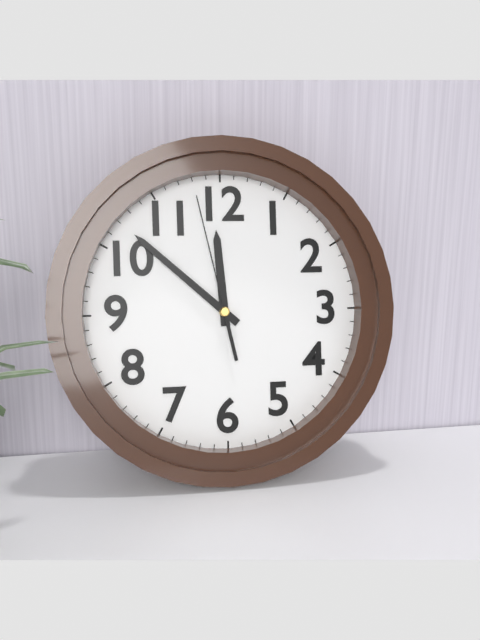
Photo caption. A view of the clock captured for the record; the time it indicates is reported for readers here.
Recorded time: 11:52:58
